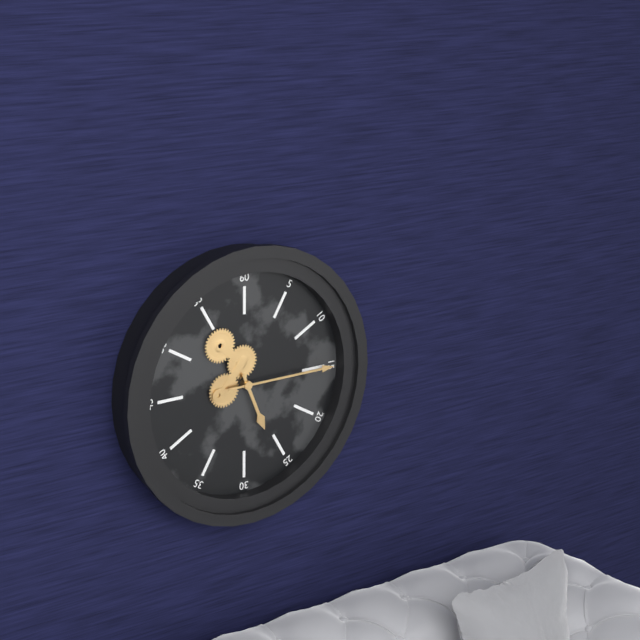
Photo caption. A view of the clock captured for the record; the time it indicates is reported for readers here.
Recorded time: 5:15
